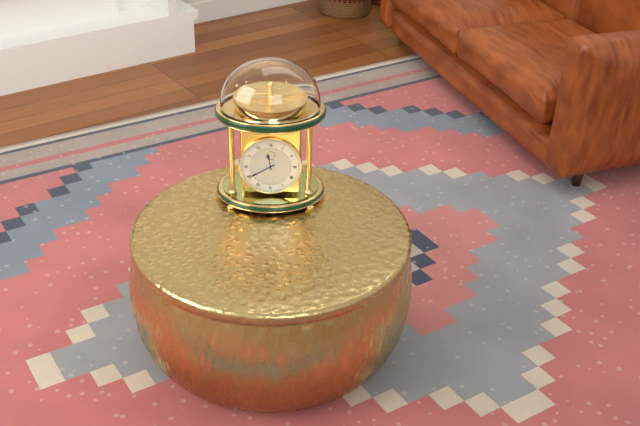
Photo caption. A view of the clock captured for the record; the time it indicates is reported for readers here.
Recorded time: 11:40
